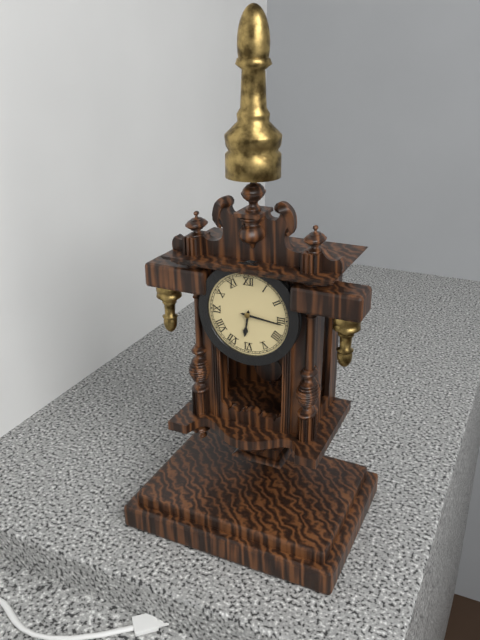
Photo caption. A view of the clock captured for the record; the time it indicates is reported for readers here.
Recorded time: 6:16
